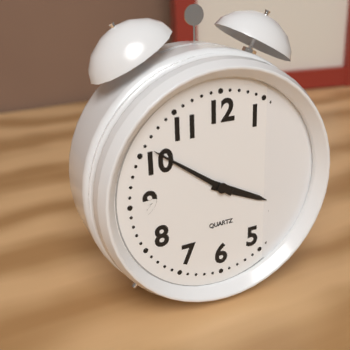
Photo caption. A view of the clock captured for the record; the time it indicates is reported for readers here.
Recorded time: 3:51
